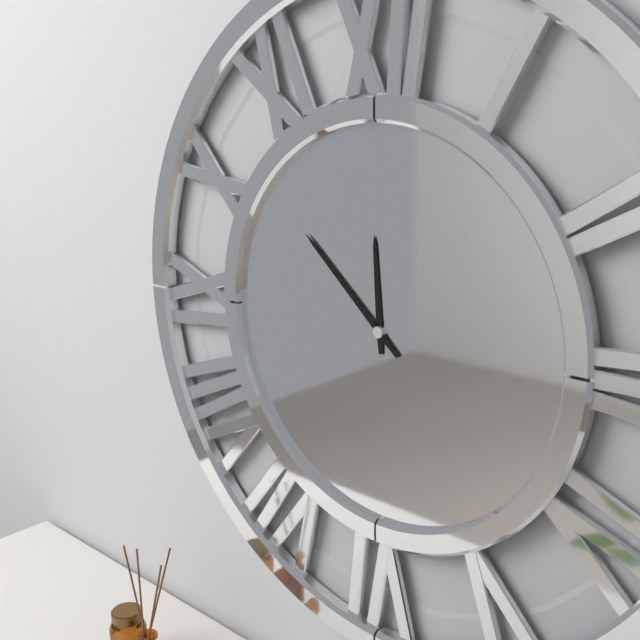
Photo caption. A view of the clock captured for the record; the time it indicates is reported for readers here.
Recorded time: 11:52
